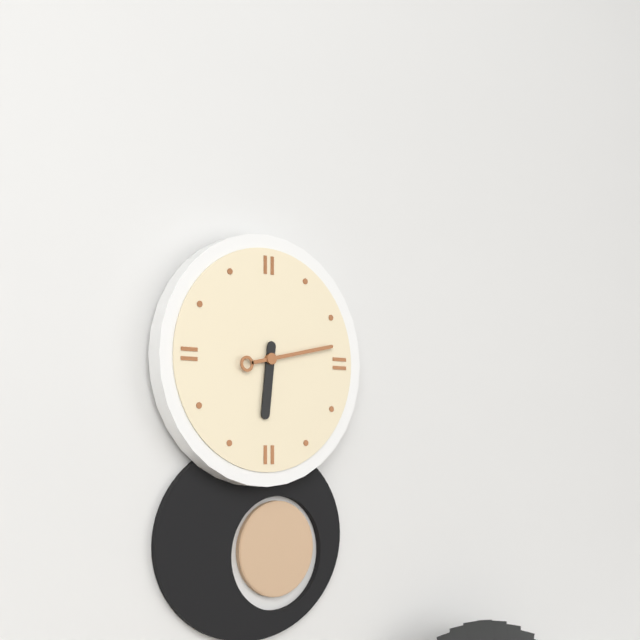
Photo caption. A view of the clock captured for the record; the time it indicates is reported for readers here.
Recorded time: 6:13
